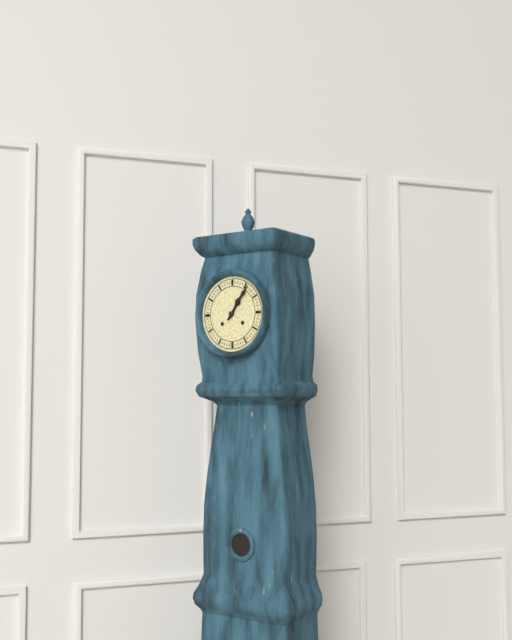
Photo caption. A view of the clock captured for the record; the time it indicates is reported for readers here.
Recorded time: 1:06
